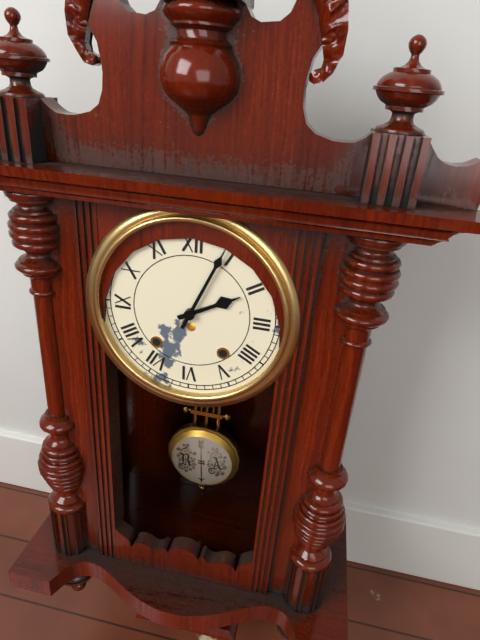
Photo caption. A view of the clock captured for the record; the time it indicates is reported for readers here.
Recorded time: 2:04
